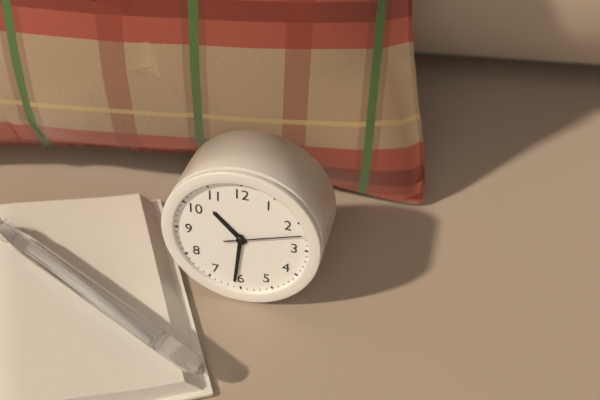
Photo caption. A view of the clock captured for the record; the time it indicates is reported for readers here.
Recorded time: 10:31:12
